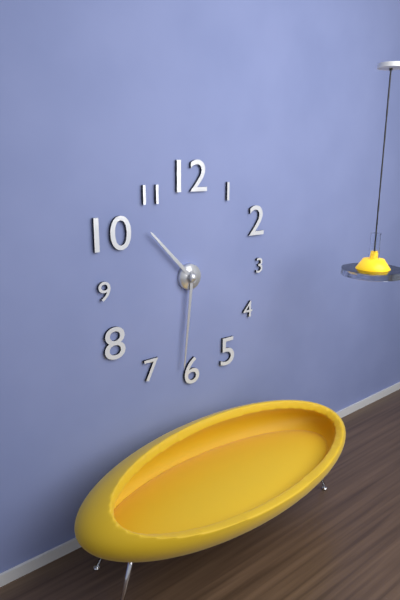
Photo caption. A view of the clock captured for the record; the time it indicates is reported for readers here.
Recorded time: 10:31
